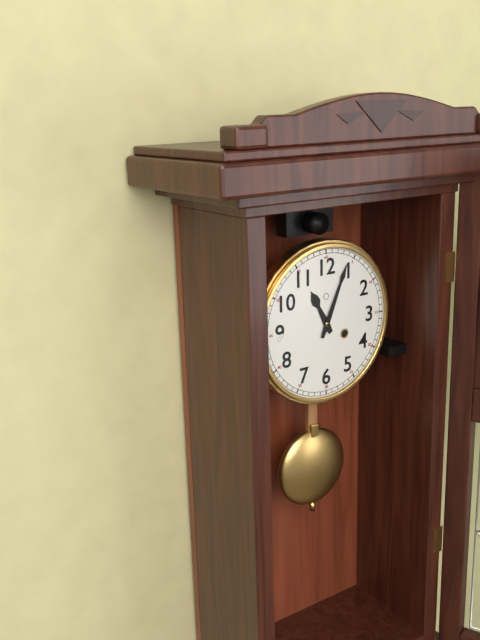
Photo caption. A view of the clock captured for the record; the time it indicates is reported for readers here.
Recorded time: 11:04
